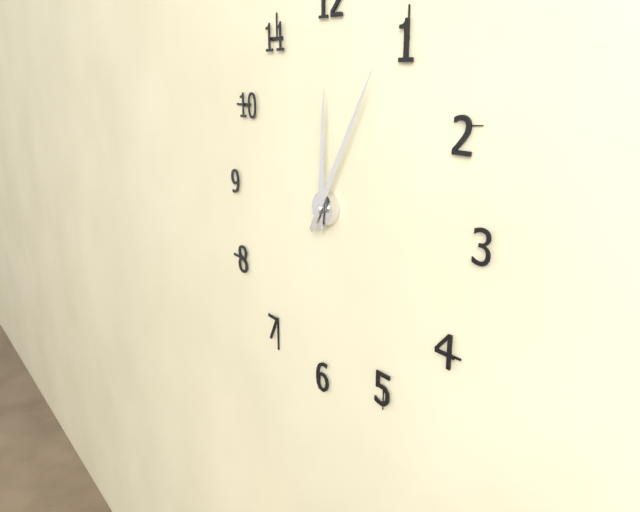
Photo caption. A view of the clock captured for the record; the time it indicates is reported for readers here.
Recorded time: 12:05
